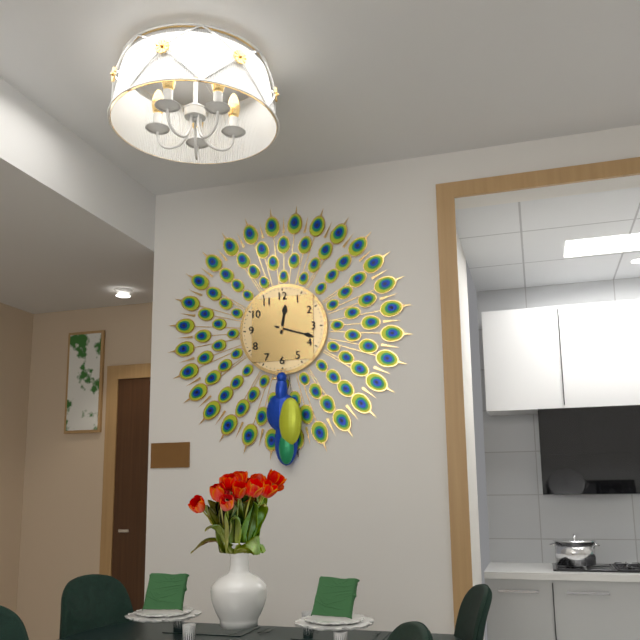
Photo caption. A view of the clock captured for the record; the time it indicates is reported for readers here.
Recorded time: 12:18
